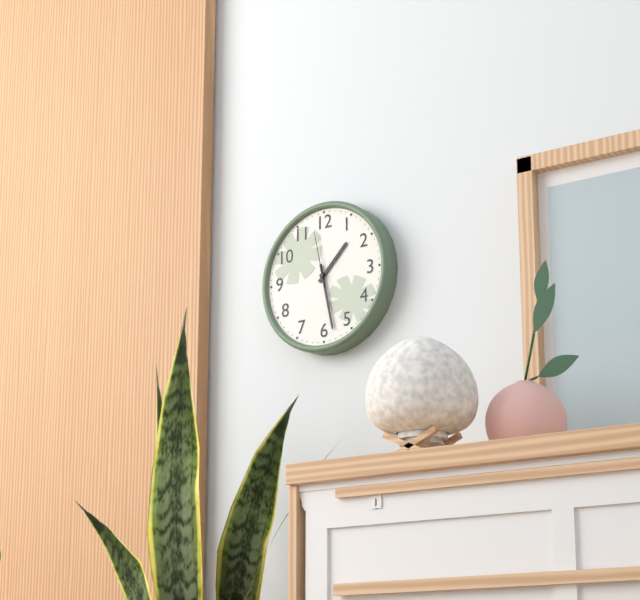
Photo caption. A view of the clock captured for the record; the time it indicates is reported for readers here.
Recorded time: 1:28:58
